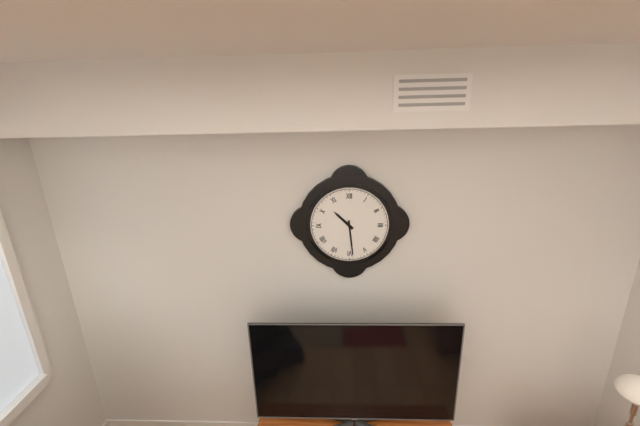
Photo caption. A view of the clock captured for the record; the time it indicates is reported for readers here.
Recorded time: 10:29
